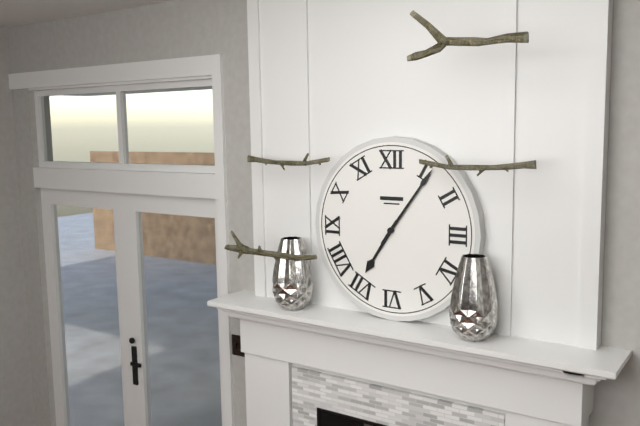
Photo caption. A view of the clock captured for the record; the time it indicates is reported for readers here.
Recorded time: 7:06
